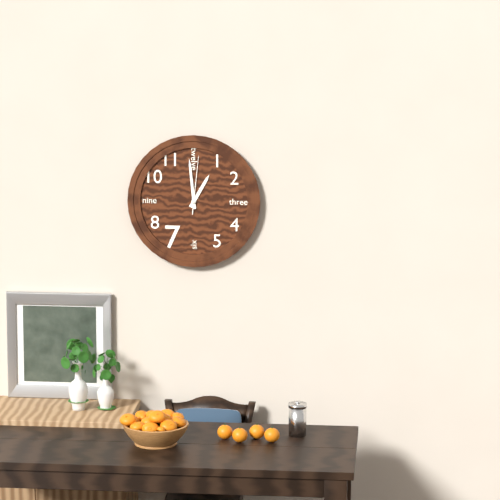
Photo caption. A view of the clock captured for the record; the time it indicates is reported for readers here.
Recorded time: 12:59:01
